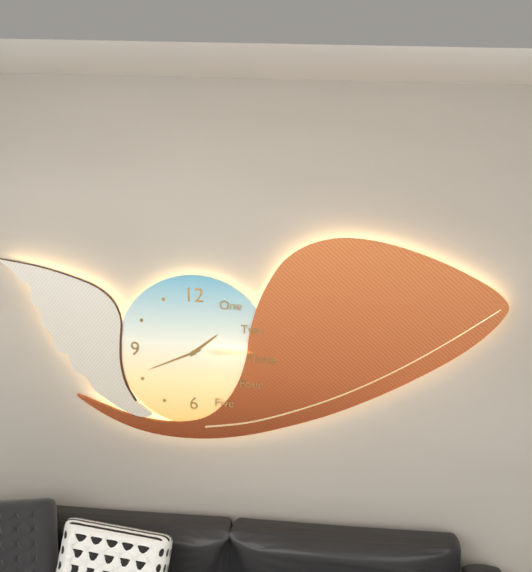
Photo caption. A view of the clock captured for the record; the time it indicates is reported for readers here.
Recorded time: 1:41
